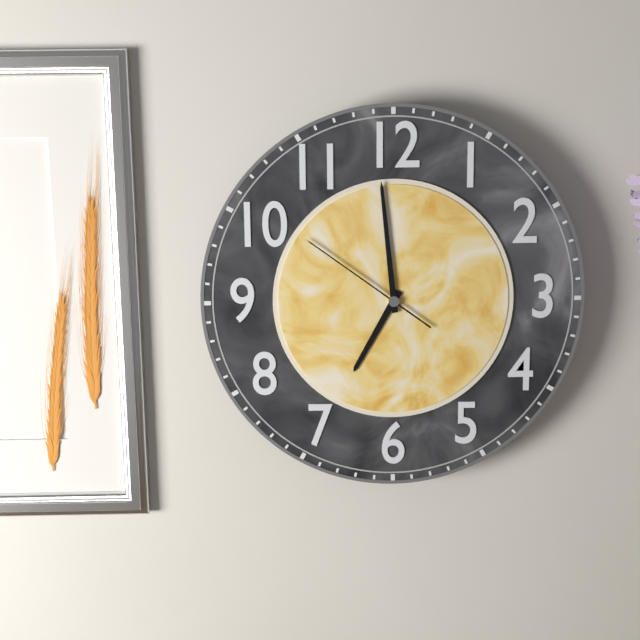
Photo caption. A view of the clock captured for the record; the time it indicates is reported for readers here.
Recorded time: 6:59:51
